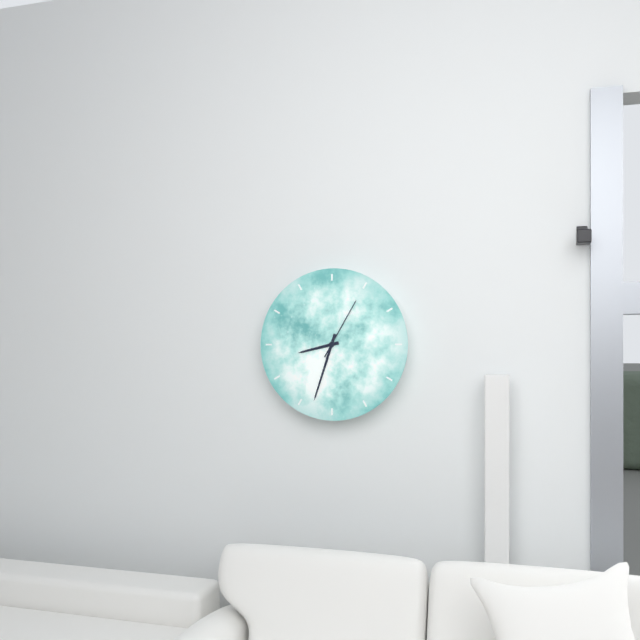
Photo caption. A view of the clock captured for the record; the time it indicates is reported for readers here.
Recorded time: 8:33:05
